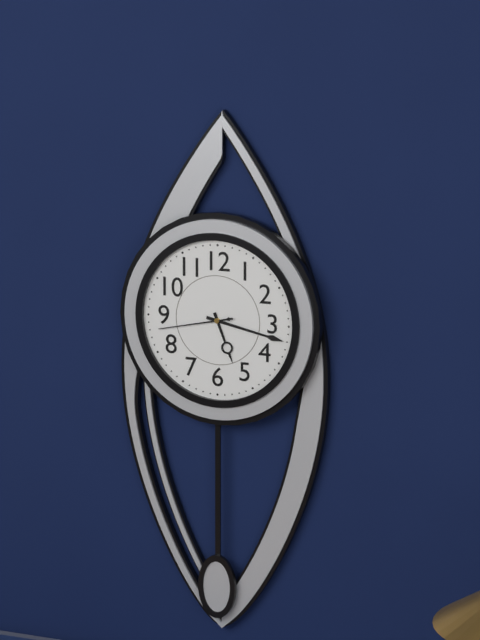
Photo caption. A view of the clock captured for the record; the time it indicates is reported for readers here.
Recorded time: 5:17:43
